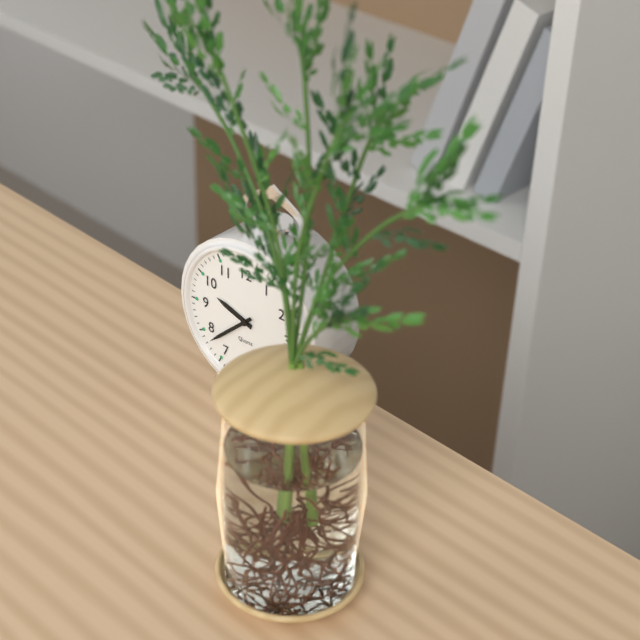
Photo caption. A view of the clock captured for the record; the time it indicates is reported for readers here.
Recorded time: 9:38
